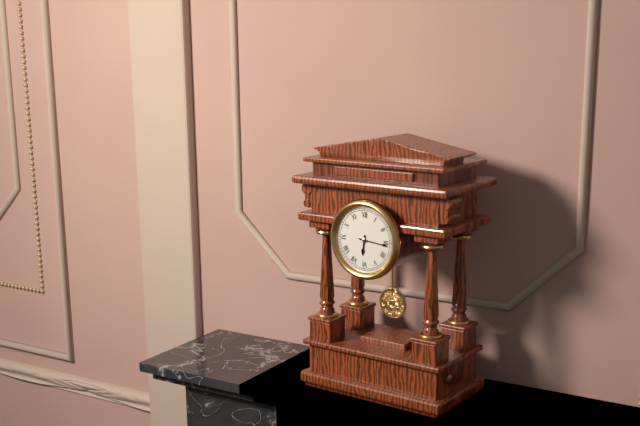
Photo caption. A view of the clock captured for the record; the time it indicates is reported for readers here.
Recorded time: 6:16
